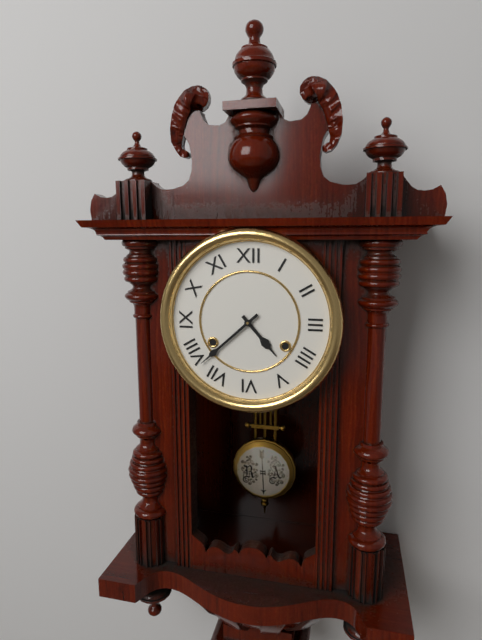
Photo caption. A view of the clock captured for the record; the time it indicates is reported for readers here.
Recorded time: 4:38
